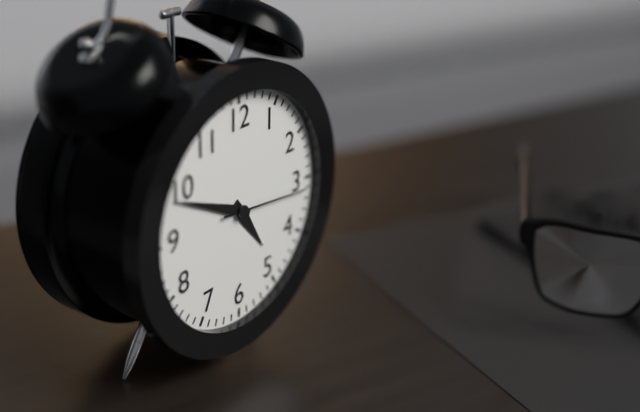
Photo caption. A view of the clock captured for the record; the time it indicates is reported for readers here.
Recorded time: 4:49:16
